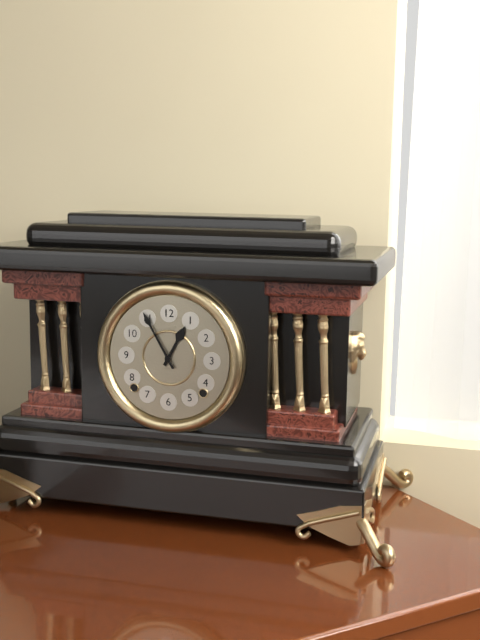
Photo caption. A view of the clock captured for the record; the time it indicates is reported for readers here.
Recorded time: 12:55
